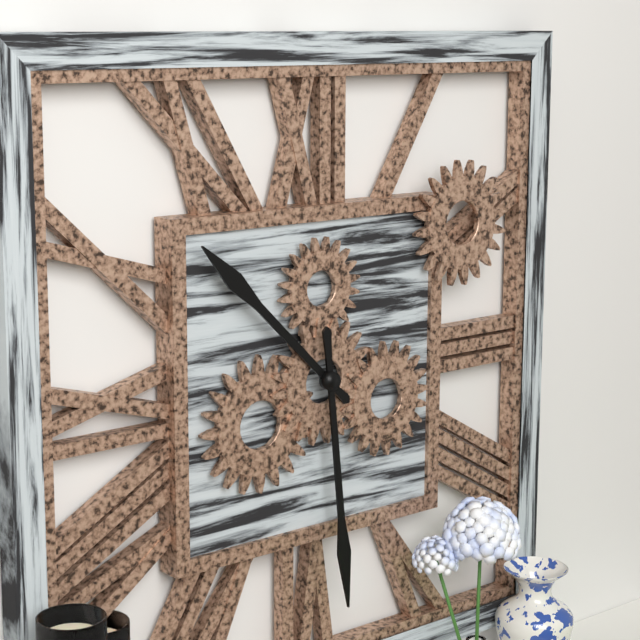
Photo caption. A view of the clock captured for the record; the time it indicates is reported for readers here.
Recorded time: 10:29
